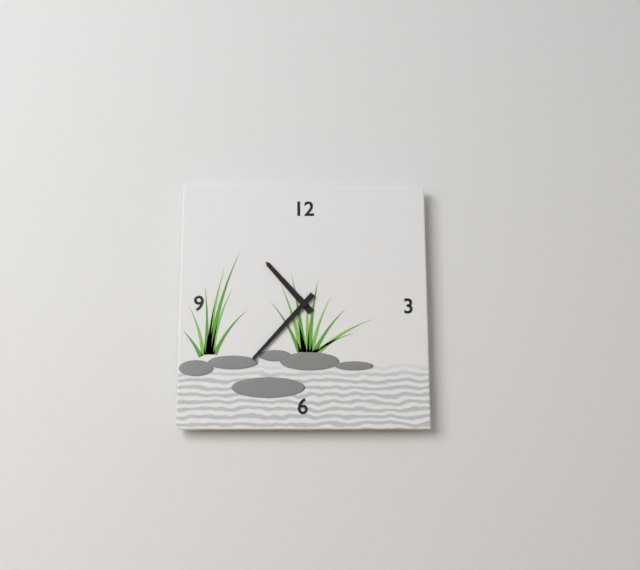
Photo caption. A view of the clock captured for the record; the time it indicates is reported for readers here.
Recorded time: 10:37
